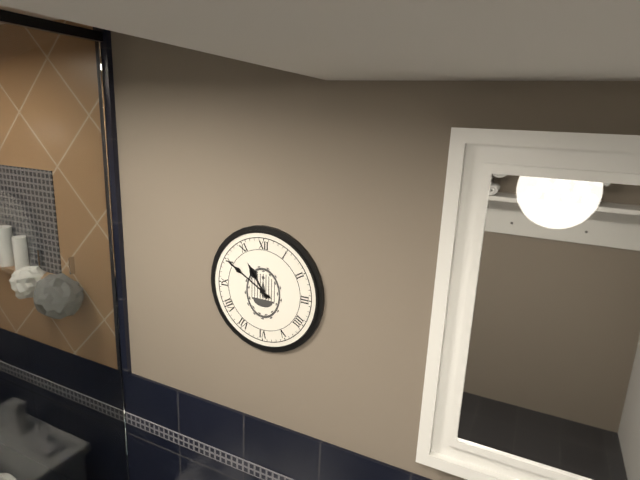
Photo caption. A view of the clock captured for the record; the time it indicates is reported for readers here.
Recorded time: 10:50
